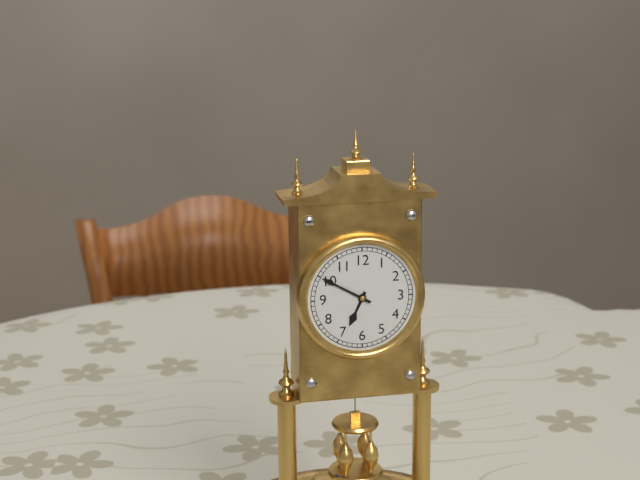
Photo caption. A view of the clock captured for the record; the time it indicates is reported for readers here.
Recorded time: 6:50
